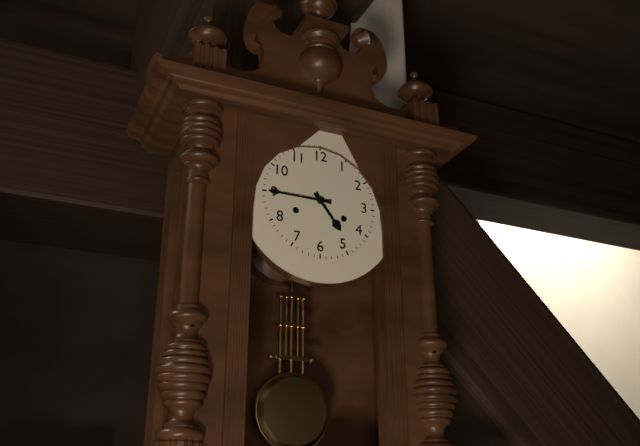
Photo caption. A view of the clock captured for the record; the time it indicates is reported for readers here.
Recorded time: 4:45
